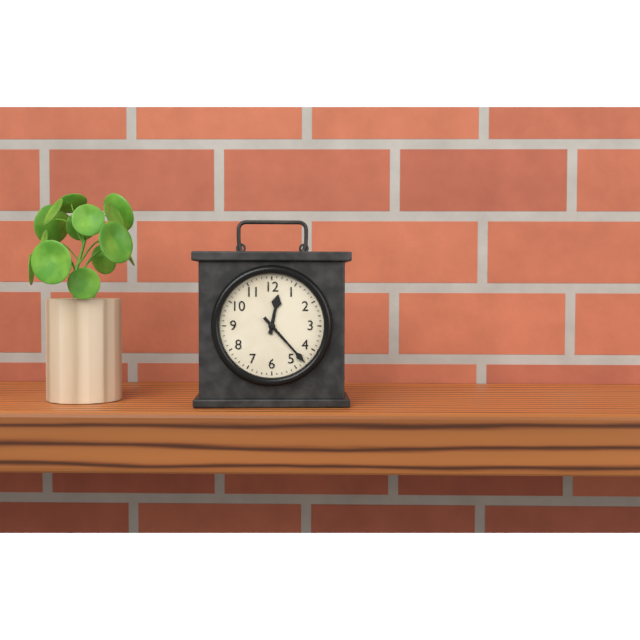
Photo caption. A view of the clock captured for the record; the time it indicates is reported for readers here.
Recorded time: 12:23
